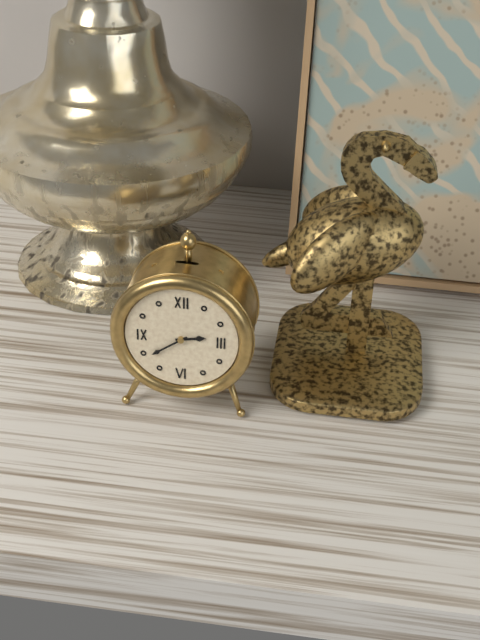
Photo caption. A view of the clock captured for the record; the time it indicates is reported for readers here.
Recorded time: 2:39
